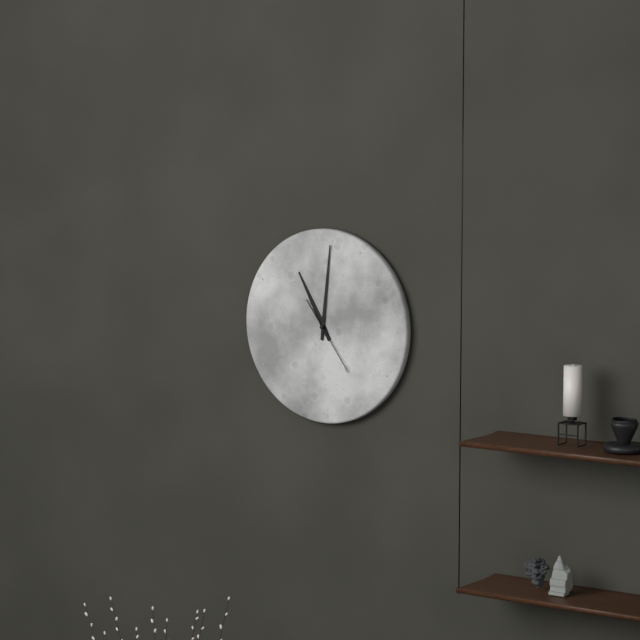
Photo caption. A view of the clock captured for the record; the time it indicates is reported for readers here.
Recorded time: 11:01:24
